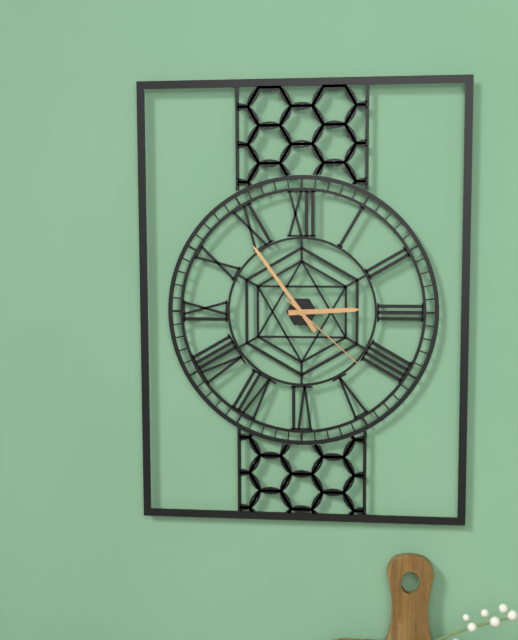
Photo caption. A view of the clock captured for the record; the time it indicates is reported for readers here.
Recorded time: 2:54:22
